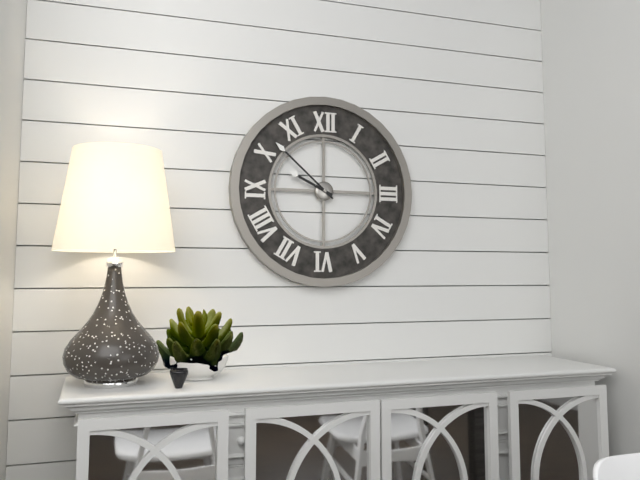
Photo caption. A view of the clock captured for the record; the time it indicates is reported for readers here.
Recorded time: 9:52
